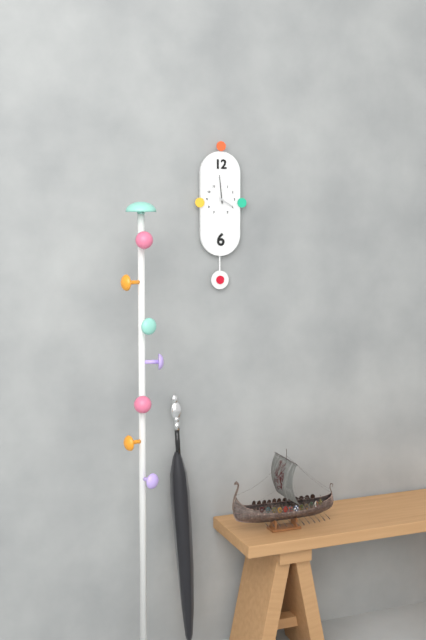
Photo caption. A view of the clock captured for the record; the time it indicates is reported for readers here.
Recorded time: 3:59
